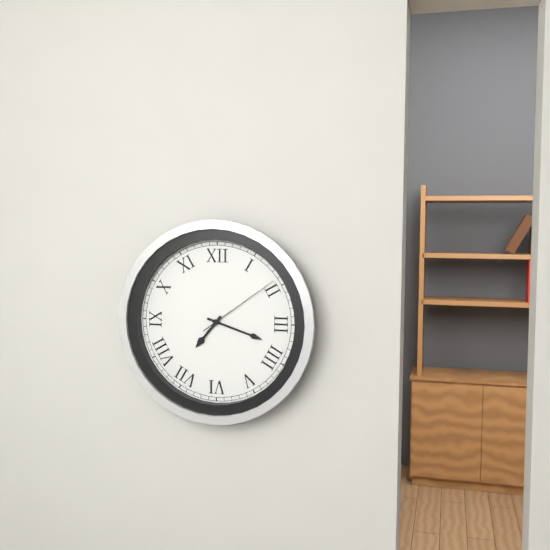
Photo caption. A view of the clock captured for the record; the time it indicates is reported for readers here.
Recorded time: 7:18:09
